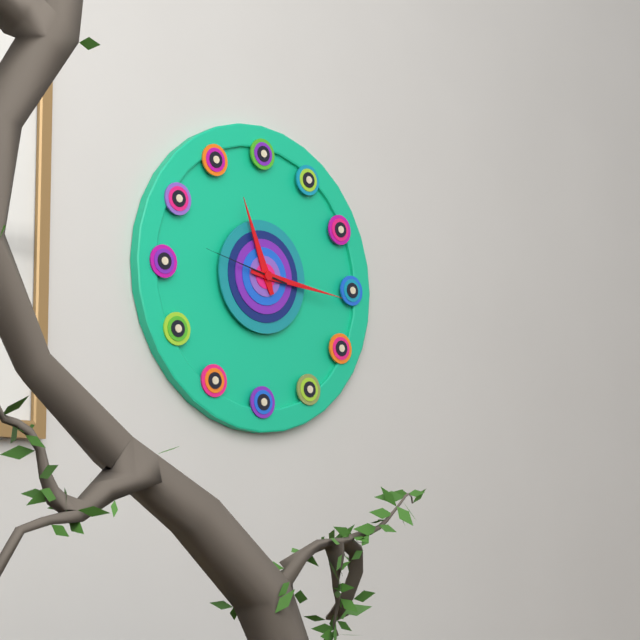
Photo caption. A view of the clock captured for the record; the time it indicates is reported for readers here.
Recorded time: 11:16:47
